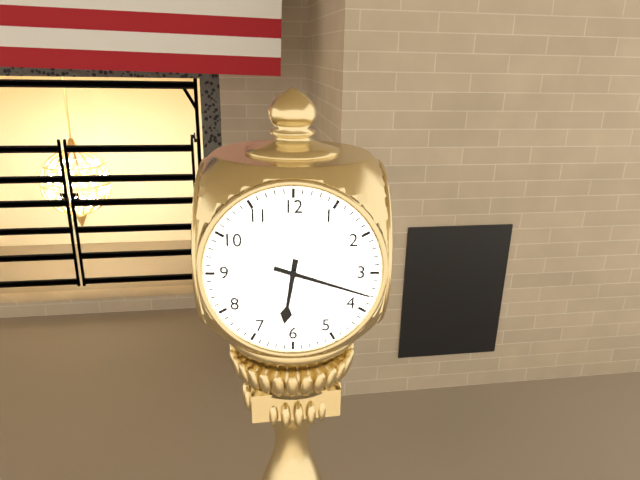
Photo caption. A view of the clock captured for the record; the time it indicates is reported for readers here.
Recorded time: 6:18
